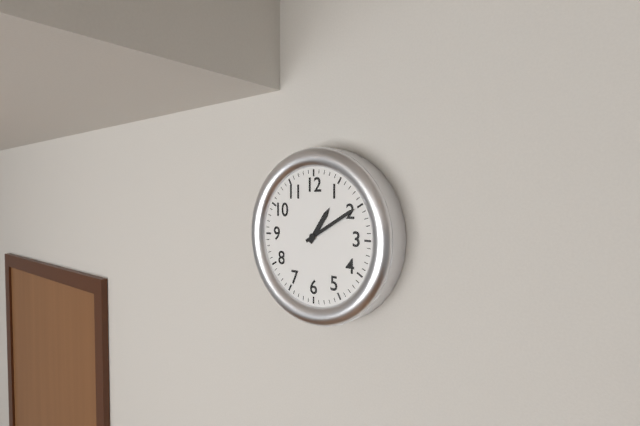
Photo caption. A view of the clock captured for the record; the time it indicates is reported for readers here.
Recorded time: 1:10
